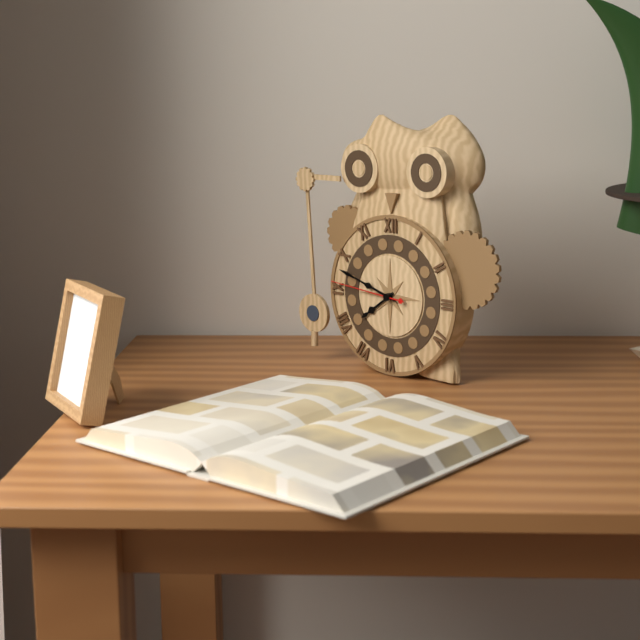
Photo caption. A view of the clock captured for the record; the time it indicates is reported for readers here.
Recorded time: 7:48:46
